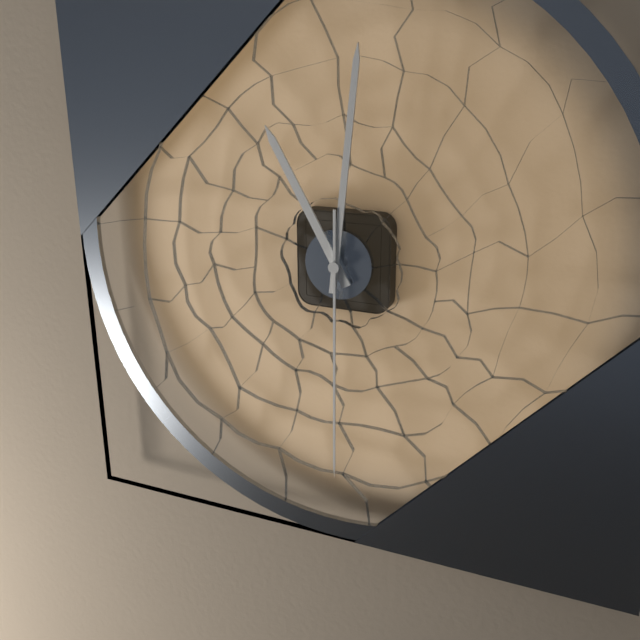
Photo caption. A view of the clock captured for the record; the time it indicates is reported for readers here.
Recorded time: 11:01:30
